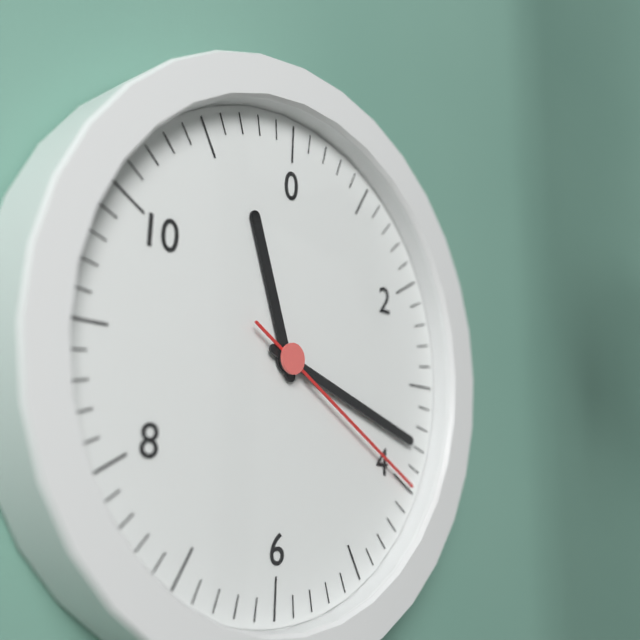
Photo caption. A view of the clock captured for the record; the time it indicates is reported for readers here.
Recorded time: 11:18:20
